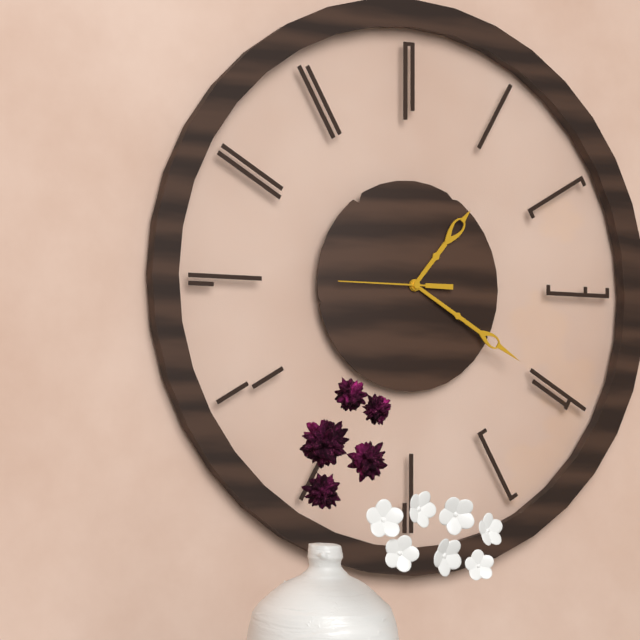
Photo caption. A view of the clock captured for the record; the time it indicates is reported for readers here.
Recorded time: 1:20:45
